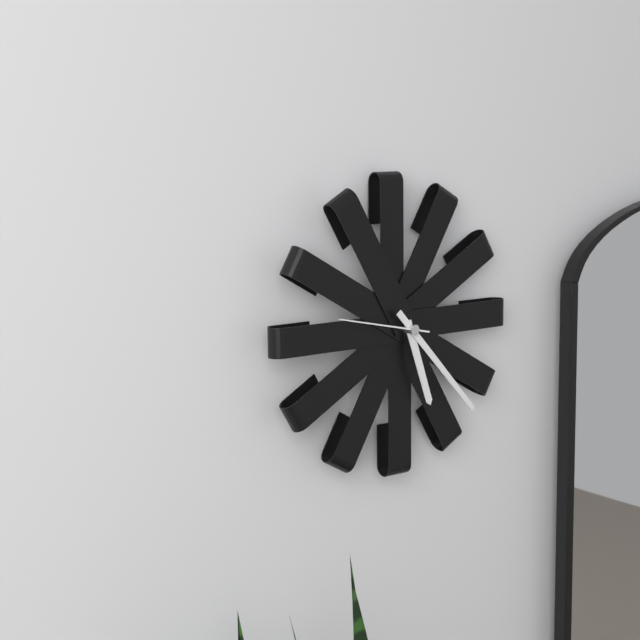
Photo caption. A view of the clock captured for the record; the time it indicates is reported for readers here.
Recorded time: 5:23:47
